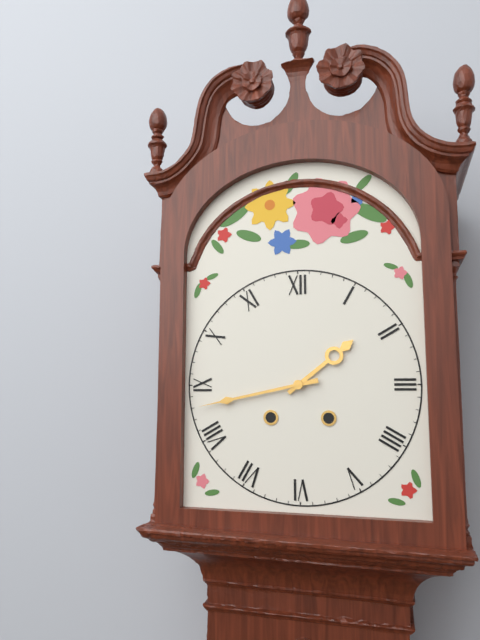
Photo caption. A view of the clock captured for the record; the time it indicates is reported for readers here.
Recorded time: 1:43
